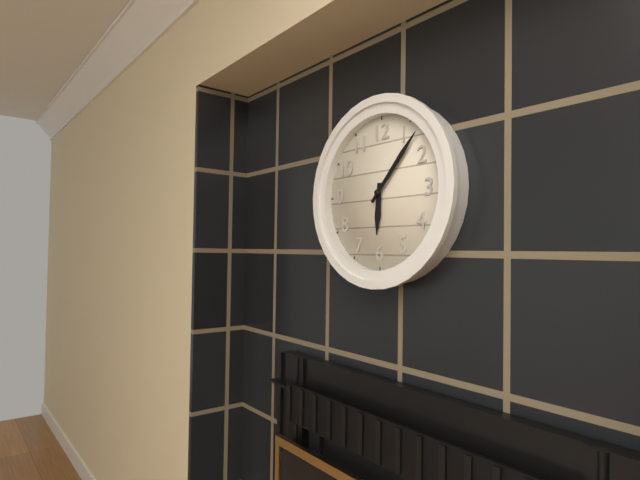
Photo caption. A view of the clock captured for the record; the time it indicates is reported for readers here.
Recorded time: 6:07
